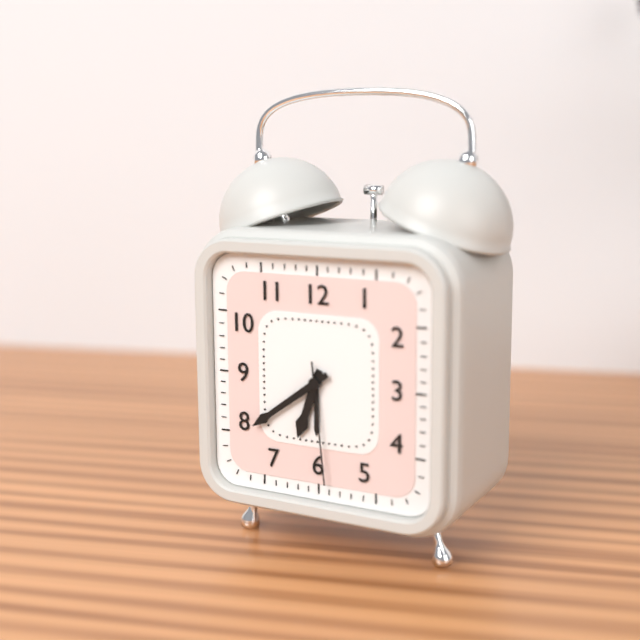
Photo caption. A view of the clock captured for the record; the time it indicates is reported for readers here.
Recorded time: 6:39:29
